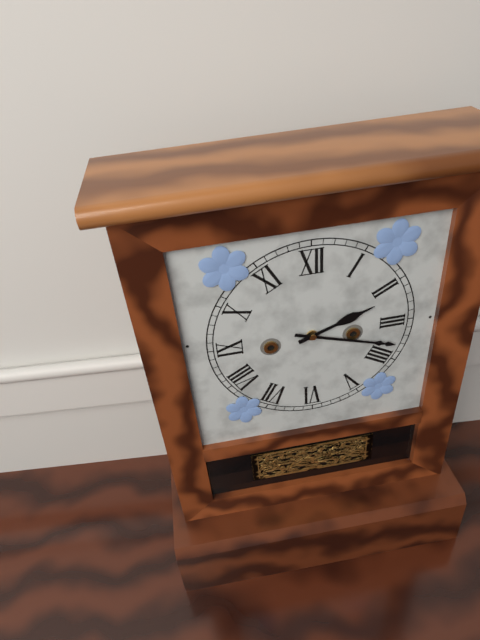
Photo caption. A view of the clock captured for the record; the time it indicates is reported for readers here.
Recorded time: 2:18
